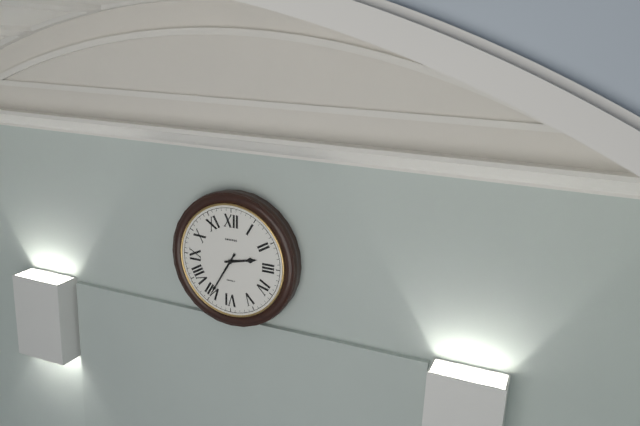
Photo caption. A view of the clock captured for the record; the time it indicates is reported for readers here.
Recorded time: 2:35
